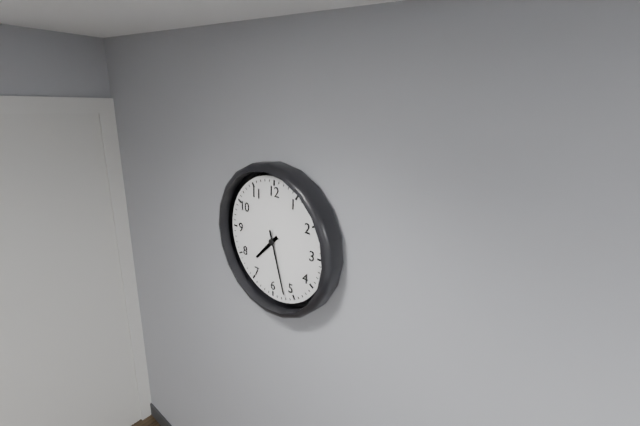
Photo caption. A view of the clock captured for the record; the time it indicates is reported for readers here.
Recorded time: 7:27
